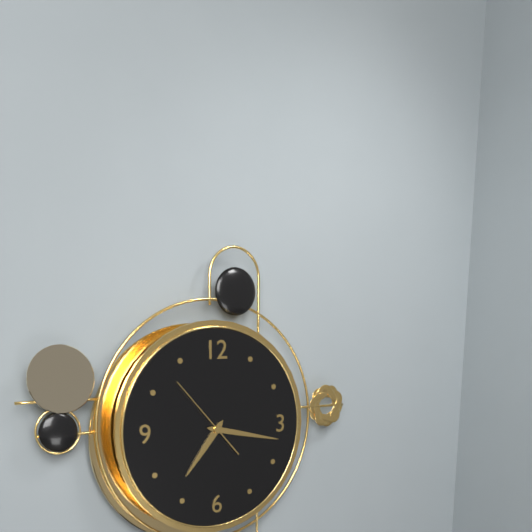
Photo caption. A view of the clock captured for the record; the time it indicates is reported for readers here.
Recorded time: 7:17:53
